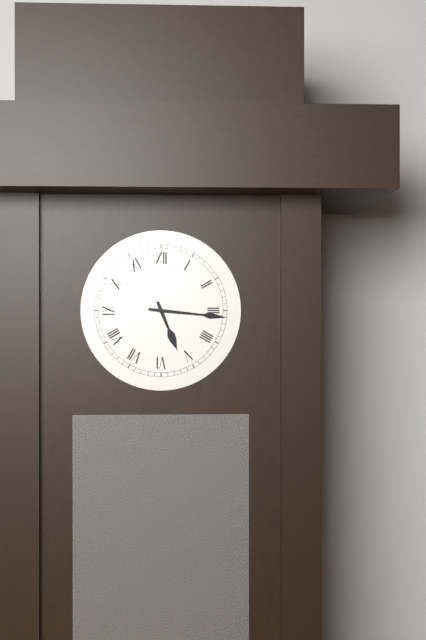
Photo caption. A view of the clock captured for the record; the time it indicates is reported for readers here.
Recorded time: 5:16
